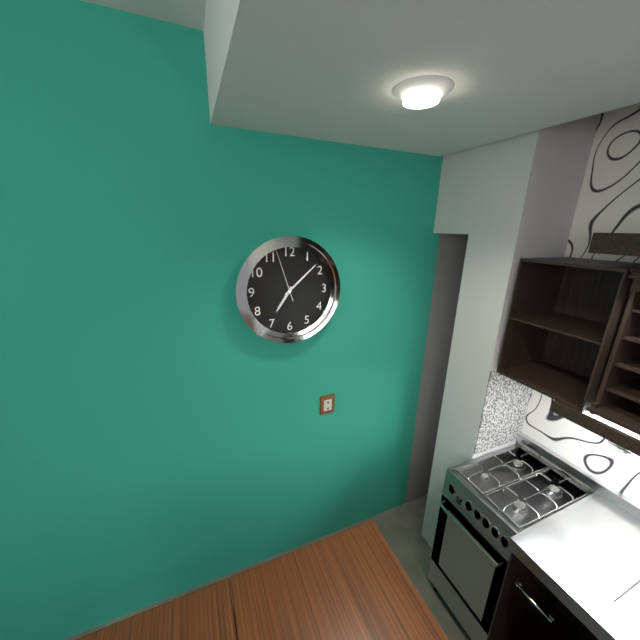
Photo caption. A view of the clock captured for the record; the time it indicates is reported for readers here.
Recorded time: 7:08:57
